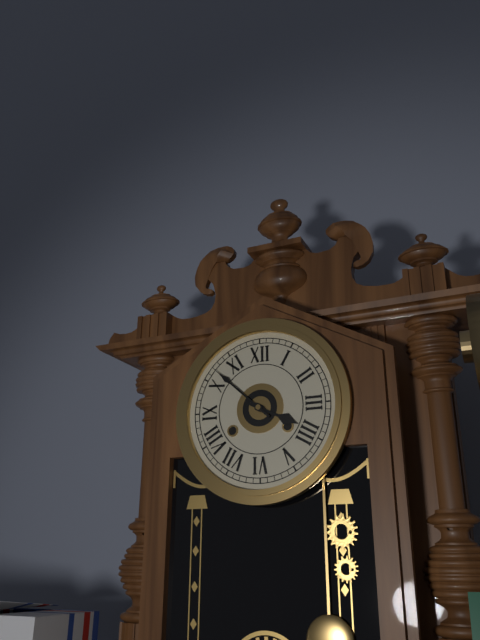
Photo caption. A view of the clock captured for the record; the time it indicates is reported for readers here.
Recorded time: 3:52
